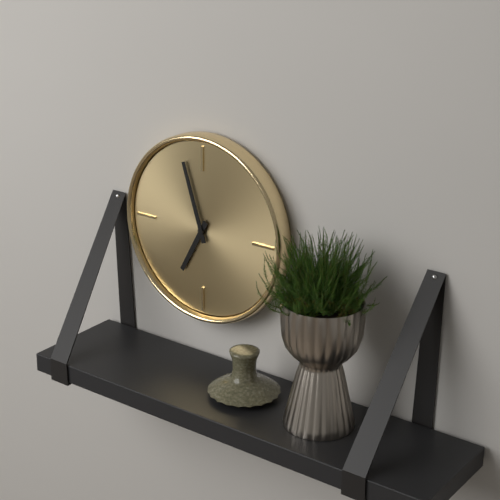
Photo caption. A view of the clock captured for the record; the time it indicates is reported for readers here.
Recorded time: 6:57
